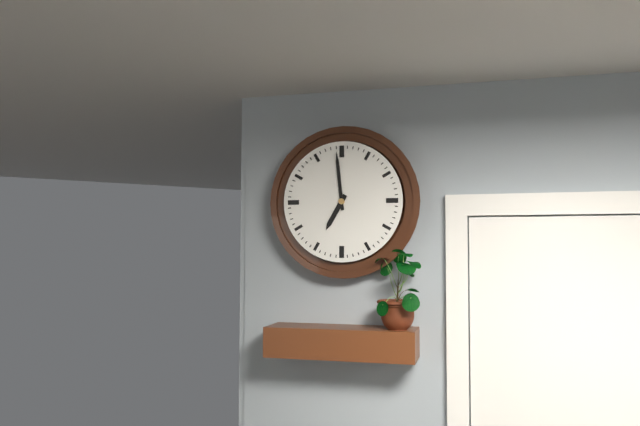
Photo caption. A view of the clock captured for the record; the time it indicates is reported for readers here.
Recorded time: 6:59
